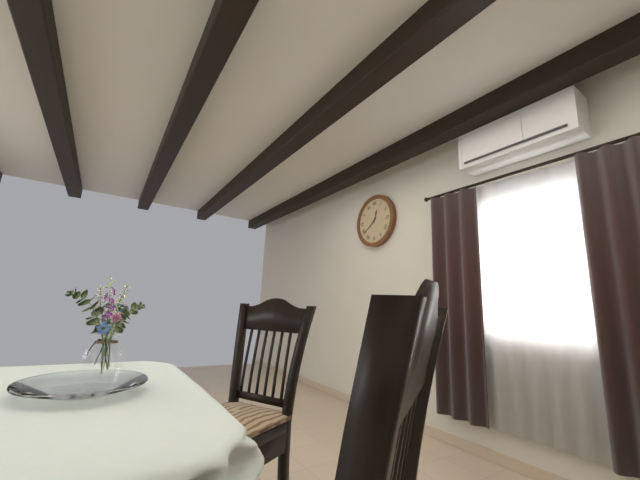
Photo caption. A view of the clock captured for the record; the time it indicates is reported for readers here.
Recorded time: 12:39
